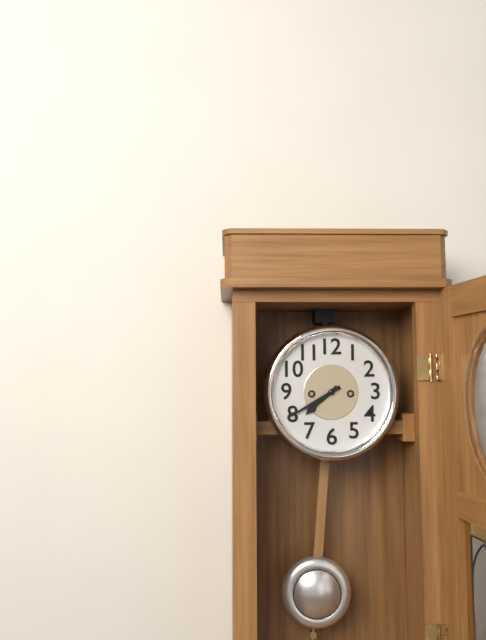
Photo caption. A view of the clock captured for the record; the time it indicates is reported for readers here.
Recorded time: 7:40
